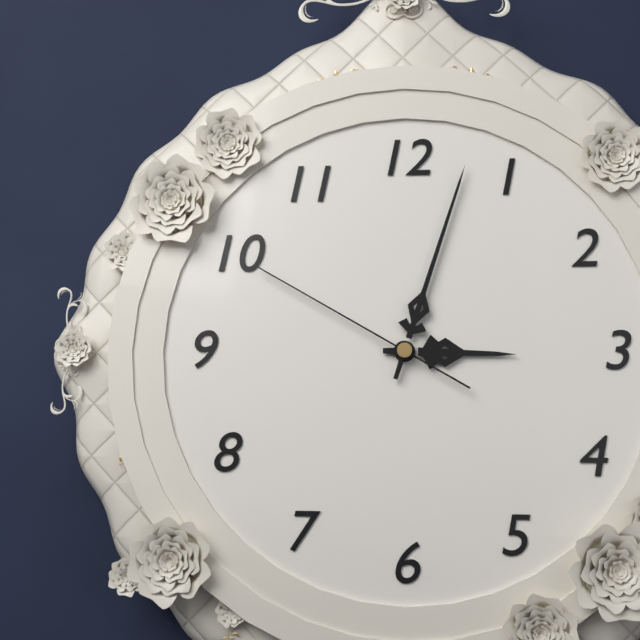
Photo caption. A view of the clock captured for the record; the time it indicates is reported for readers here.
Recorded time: 3:03:50
